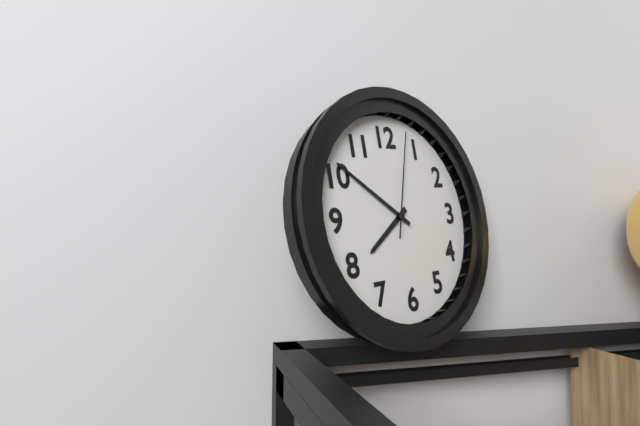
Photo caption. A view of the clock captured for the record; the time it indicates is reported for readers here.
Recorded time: 7:51:03
